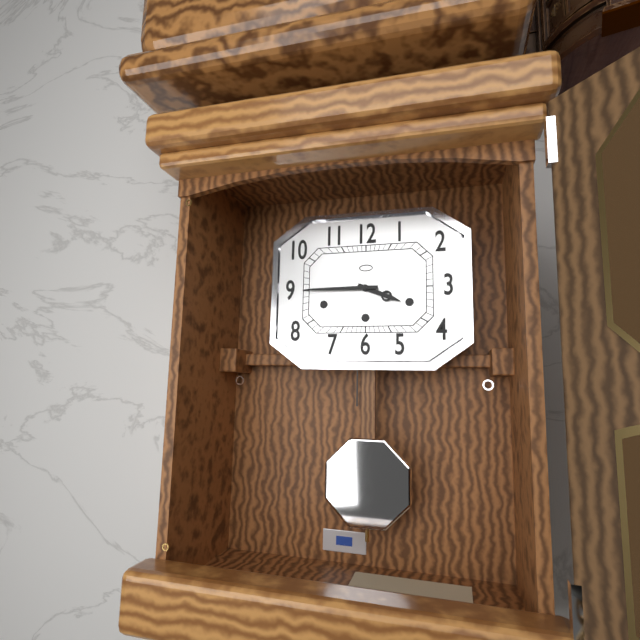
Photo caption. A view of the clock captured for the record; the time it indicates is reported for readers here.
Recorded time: 3:45
